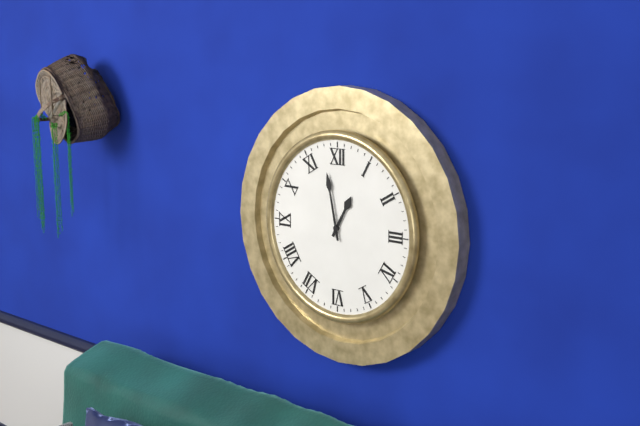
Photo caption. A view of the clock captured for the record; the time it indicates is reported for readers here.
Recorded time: 12:58
